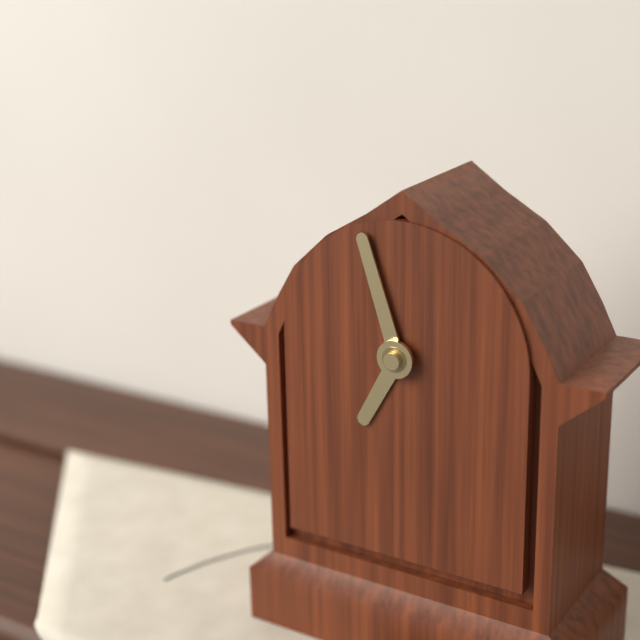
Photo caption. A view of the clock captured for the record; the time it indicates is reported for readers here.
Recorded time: 6:57
